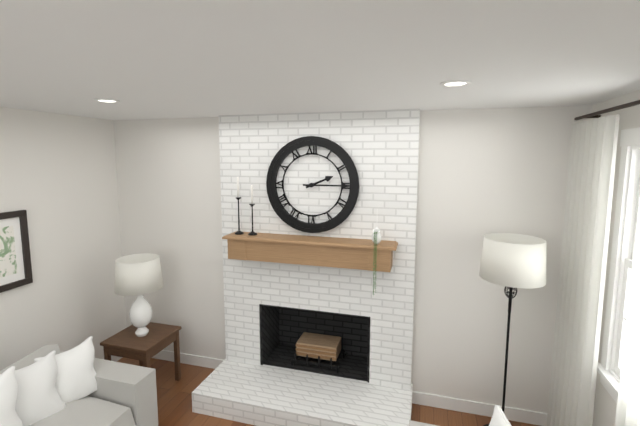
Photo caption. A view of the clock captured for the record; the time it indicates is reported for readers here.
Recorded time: 2:15
